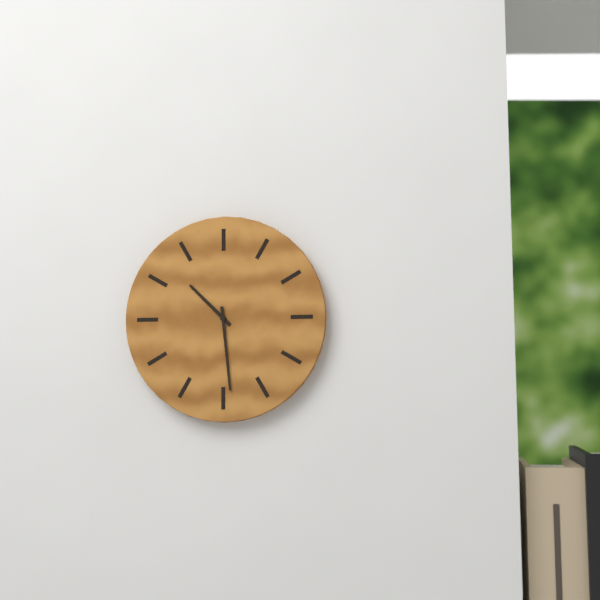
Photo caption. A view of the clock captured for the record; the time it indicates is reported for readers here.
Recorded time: 10:29
